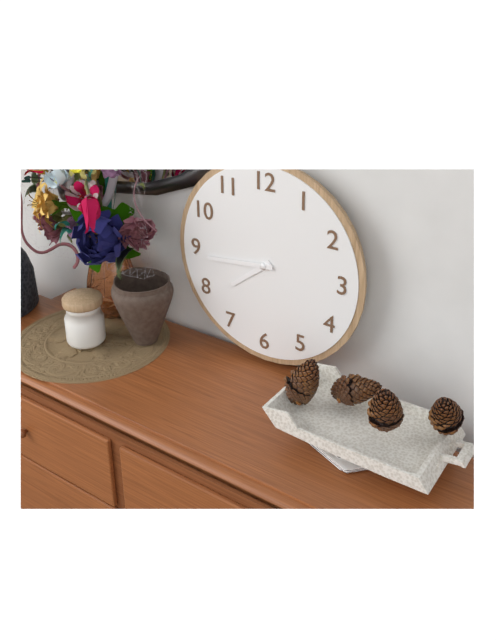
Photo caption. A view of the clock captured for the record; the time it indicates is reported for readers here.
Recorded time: 7:44
